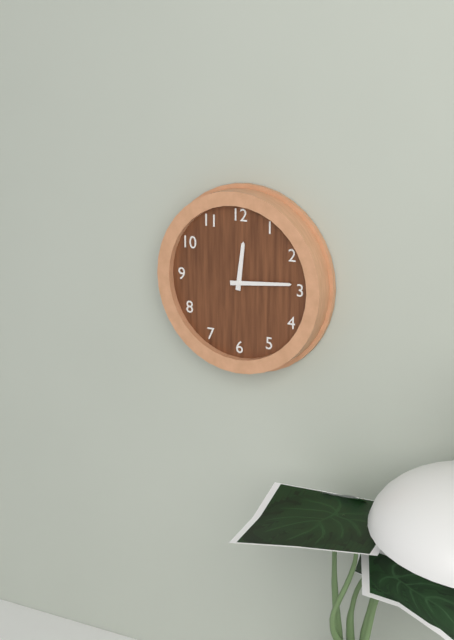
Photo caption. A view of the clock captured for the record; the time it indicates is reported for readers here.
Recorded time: 12:14
